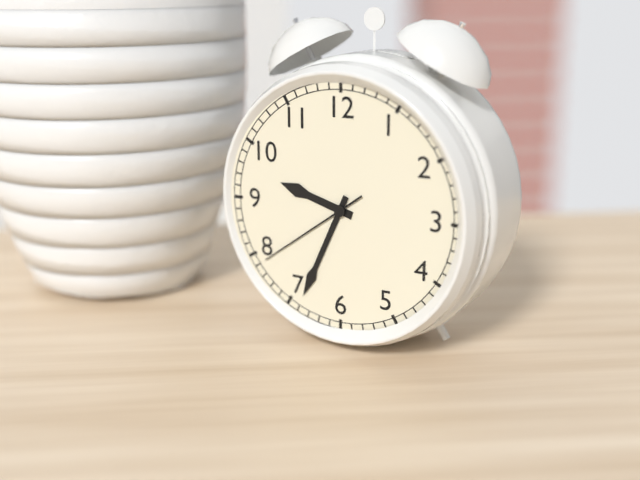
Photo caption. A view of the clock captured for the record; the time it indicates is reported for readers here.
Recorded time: 9:34:39
